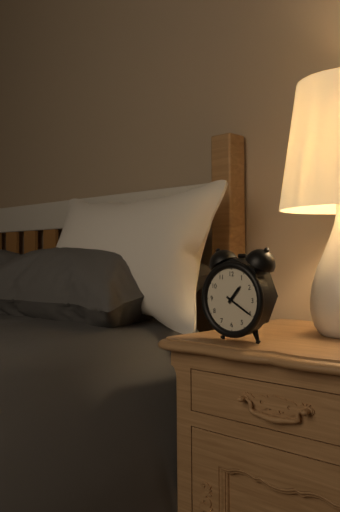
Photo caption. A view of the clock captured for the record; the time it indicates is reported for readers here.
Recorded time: 1:20
